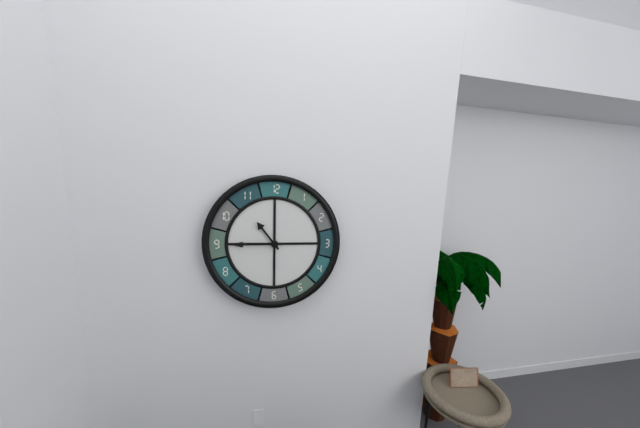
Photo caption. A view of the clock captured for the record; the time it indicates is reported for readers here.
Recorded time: 10:45
